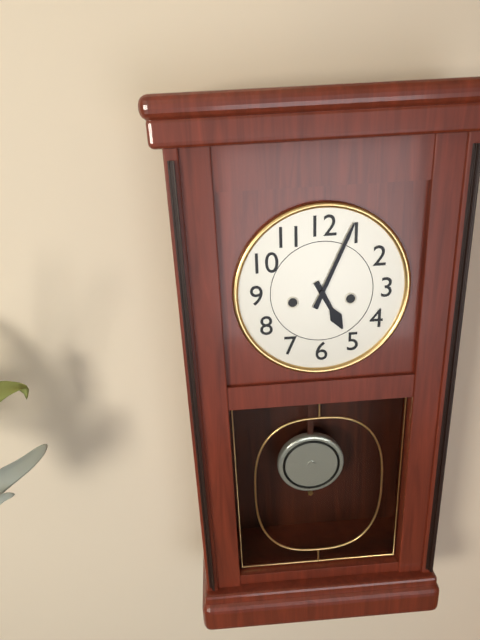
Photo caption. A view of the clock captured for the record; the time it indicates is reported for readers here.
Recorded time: 5:04
